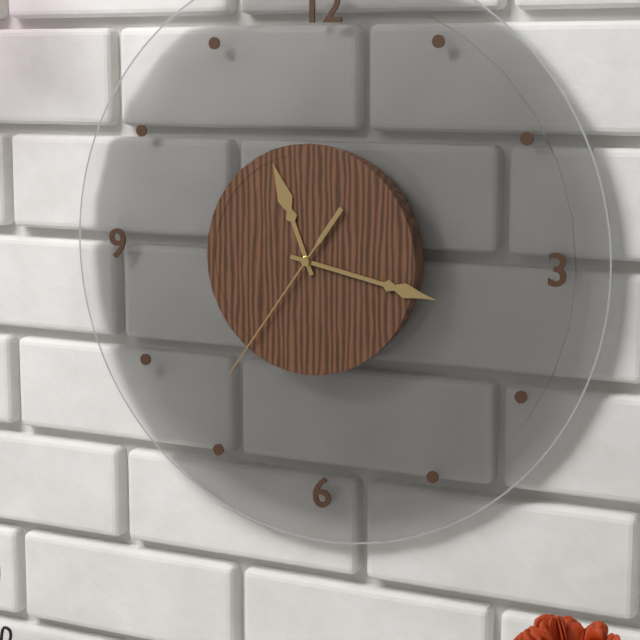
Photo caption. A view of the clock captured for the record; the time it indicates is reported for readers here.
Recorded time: 11:17:36
